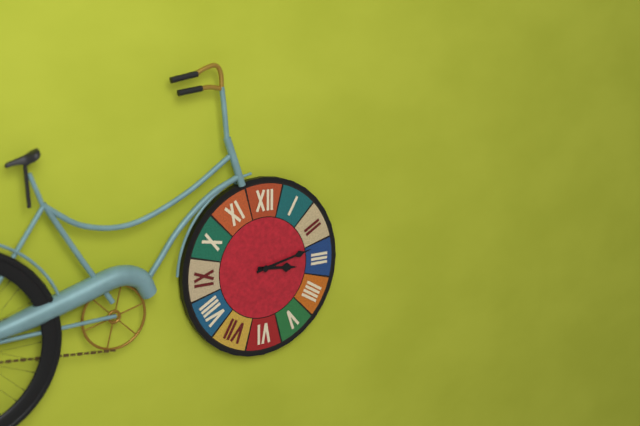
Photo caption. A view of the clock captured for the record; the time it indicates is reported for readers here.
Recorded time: 3:13
